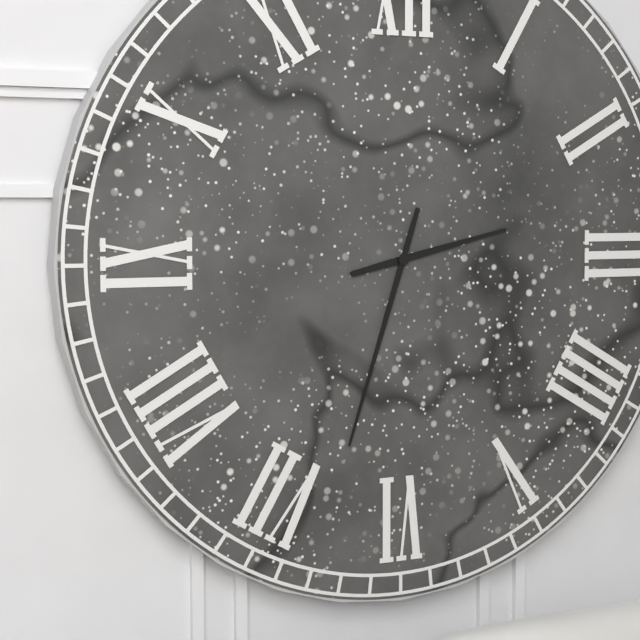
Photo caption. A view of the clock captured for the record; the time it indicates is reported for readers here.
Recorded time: 2:33
